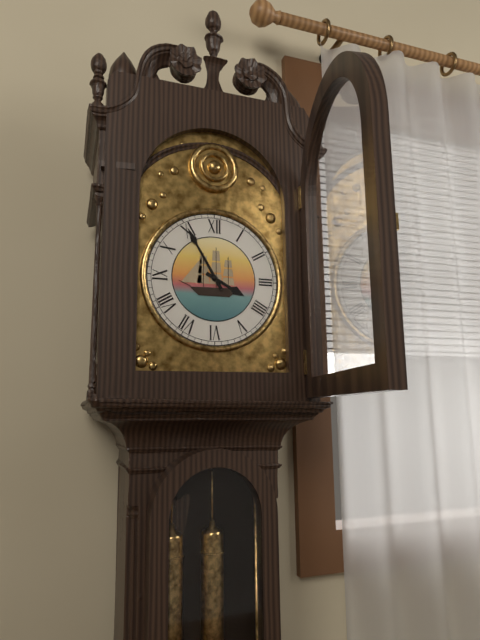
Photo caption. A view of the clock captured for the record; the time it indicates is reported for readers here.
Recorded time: 3:55
